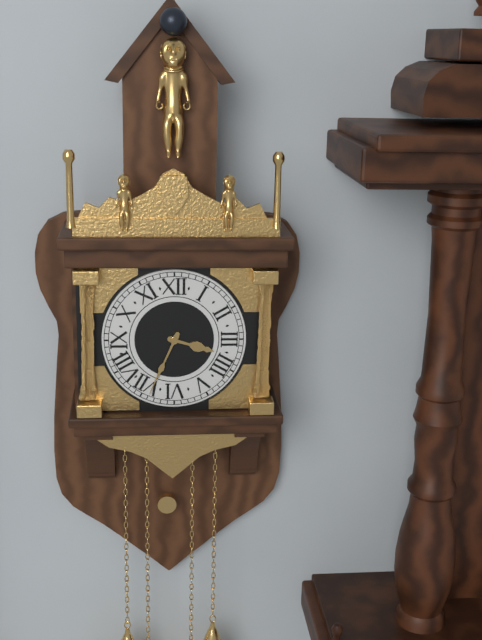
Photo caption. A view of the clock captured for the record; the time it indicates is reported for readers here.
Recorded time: 3:34
